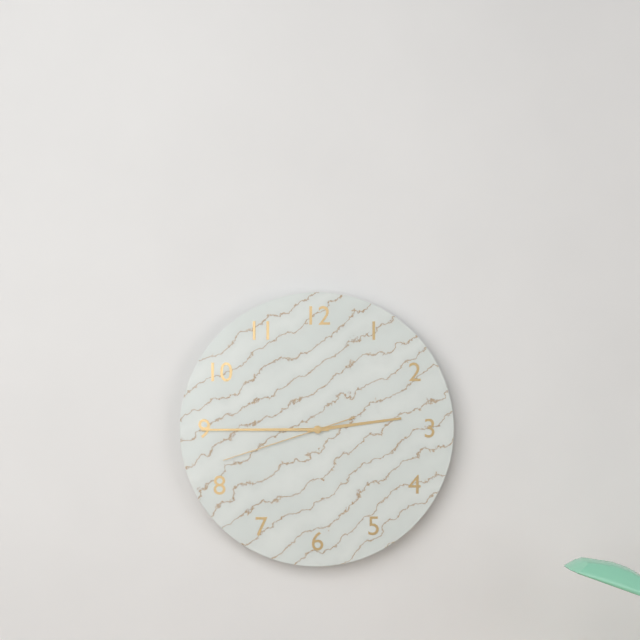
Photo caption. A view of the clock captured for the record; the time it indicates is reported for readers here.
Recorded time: 2:45:42
